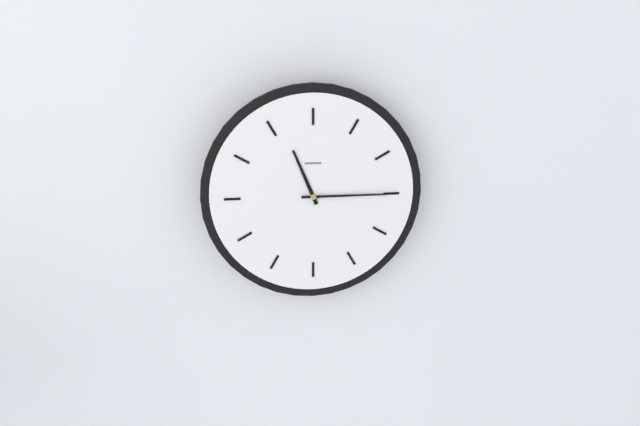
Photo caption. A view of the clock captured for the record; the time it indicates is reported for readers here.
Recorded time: 11:15
